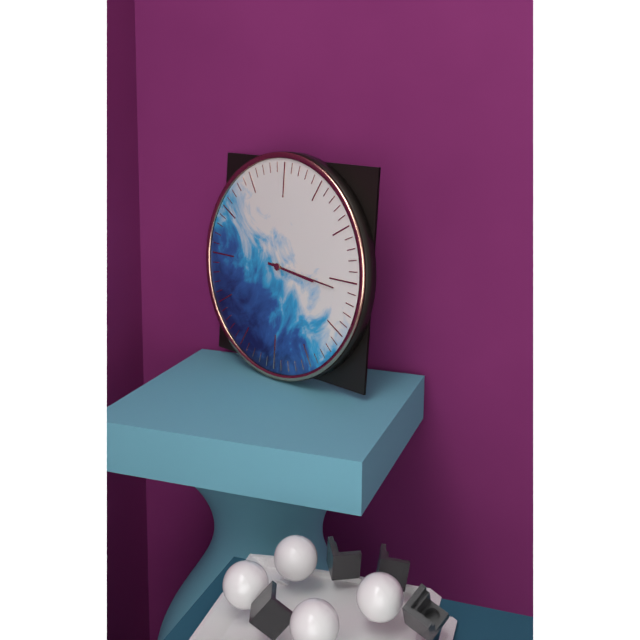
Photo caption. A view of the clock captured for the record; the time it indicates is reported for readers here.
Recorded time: 3:16
